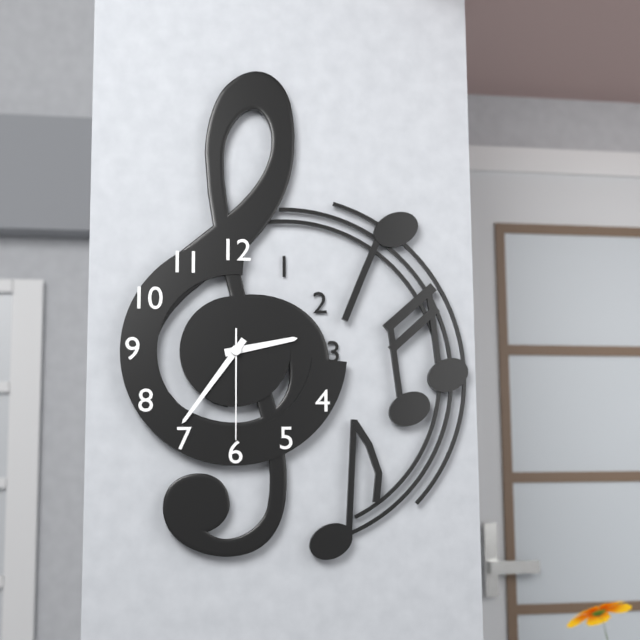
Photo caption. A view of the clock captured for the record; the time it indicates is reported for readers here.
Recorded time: 2:36:30
